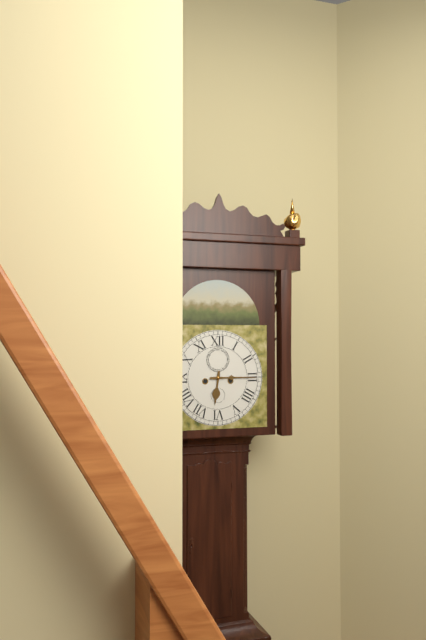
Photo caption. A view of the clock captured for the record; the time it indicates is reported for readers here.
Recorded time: 6:15
